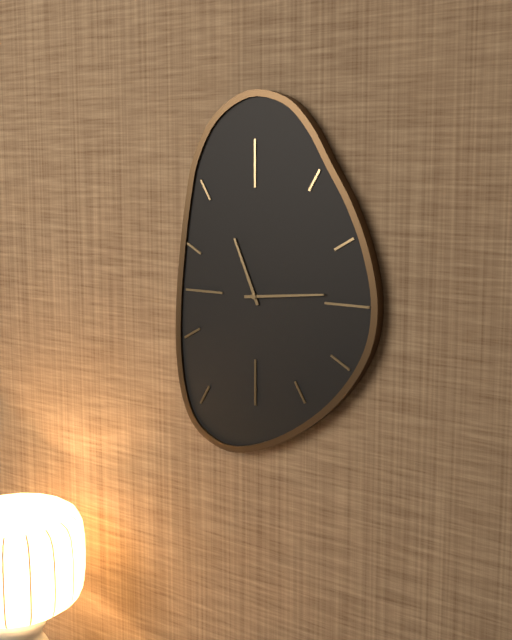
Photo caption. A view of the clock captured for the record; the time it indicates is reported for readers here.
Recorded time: 11:14
